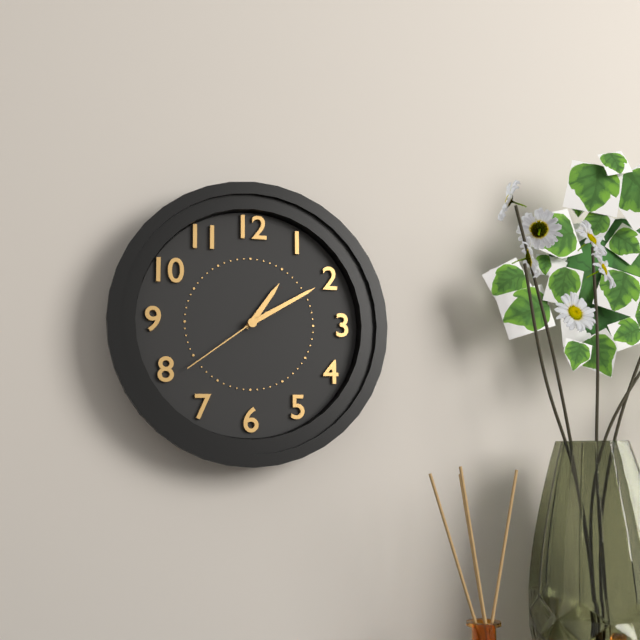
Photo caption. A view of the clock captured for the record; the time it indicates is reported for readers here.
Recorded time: 1:10:39
